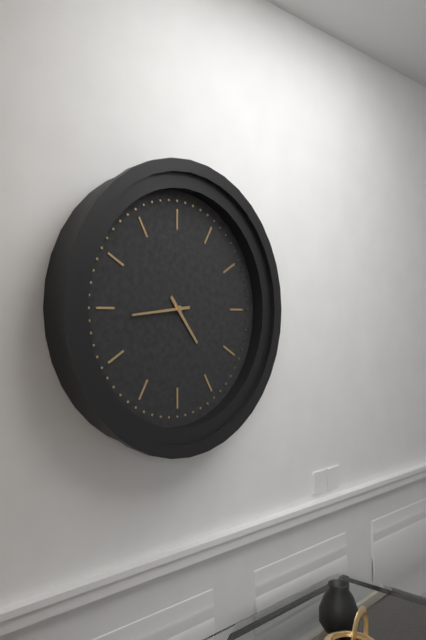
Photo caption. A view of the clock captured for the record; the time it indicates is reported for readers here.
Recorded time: 4:44
